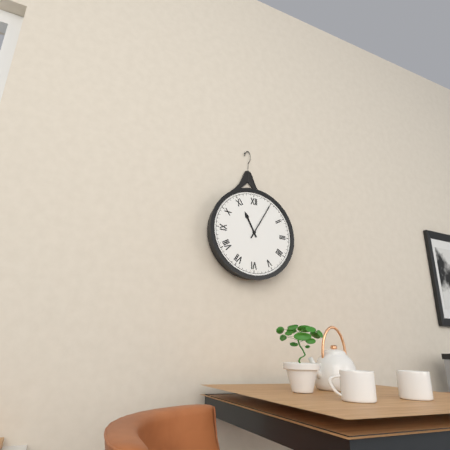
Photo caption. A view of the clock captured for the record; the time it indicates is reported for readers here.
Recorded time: 11:05
